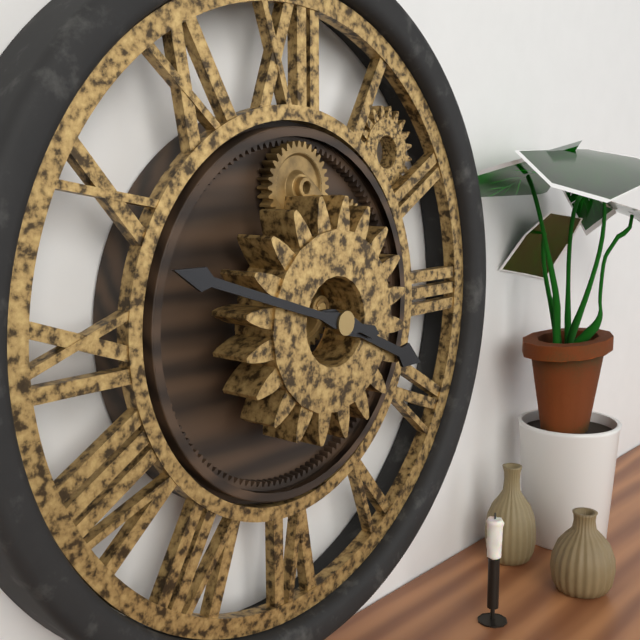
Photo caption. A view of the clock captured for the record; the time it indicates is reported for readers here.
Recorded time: 3:48
